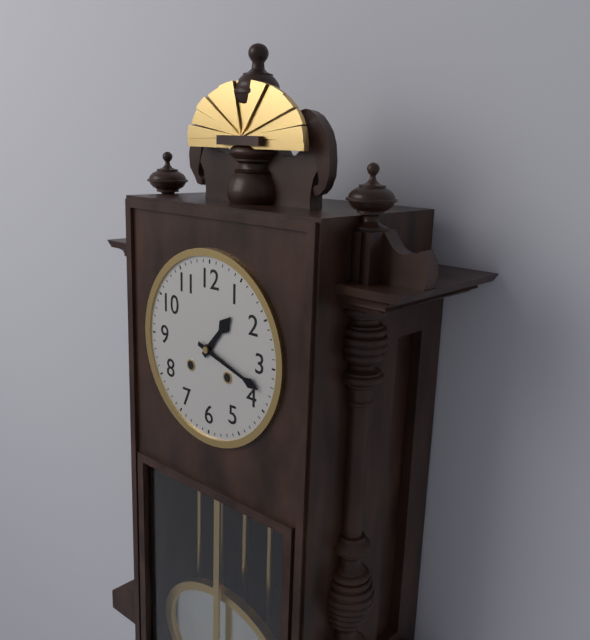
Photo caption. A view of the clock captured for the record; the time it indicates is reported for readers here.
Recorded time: 1:18
